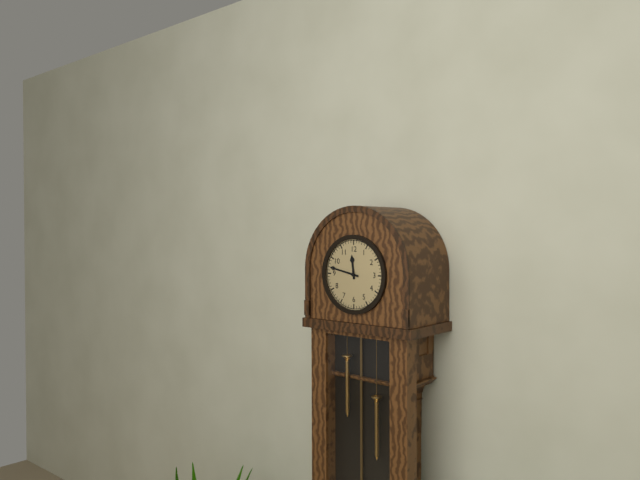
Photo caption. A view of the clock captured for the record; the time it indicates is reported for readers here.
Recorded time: 11:47
